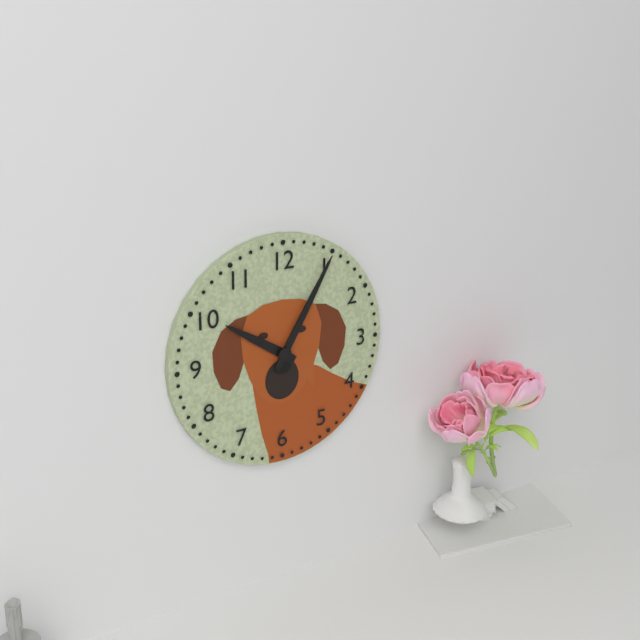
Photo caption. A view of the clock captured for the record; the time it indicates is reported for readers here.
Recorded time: 10:05
